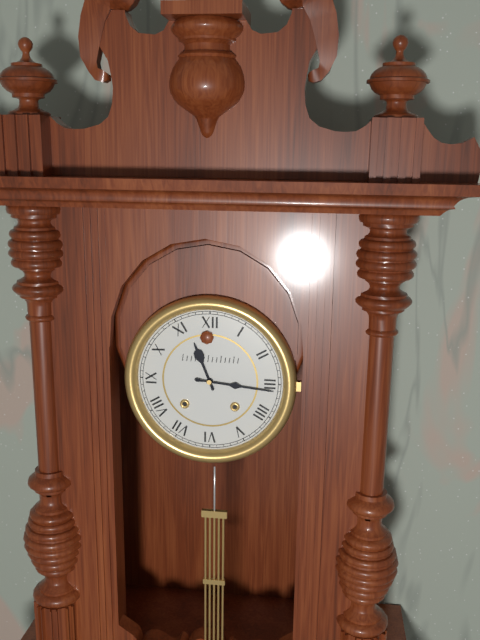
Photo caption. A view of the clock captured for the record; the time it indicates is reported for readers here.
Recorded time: 11:16
